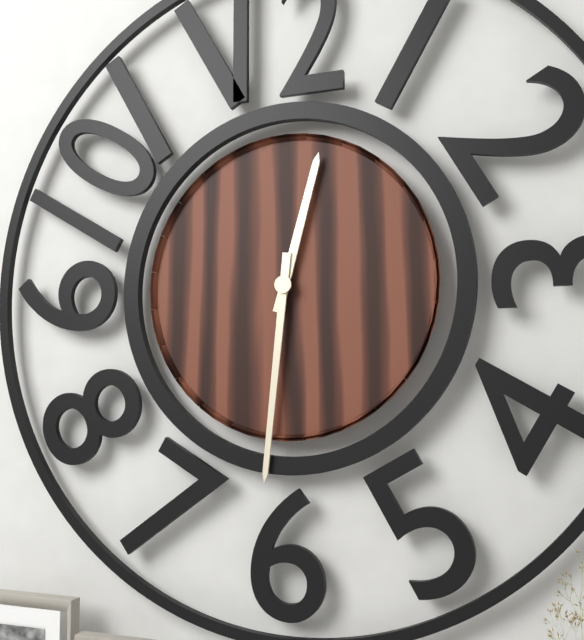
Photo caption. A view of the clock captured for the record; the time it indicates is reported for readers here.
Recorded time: 12:31
